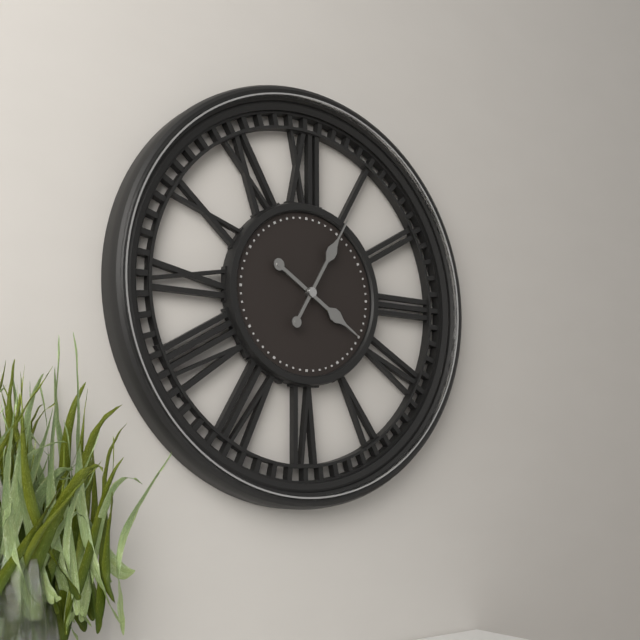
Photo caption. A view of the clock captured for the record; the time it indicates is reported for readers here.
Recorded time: 4:05
